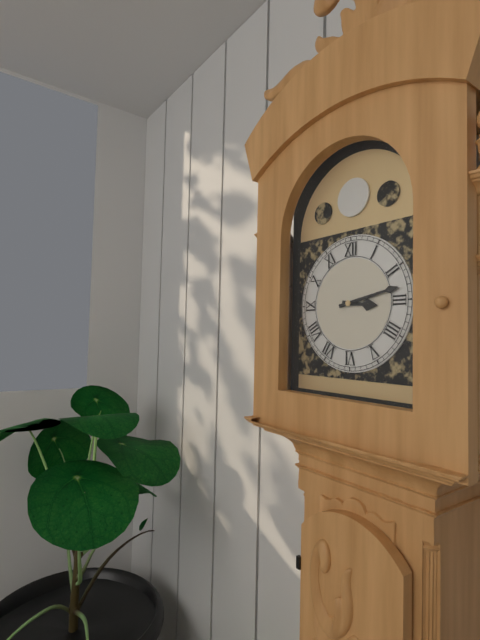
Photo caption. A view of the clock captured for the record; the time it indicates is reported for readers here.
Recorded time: 3:13
